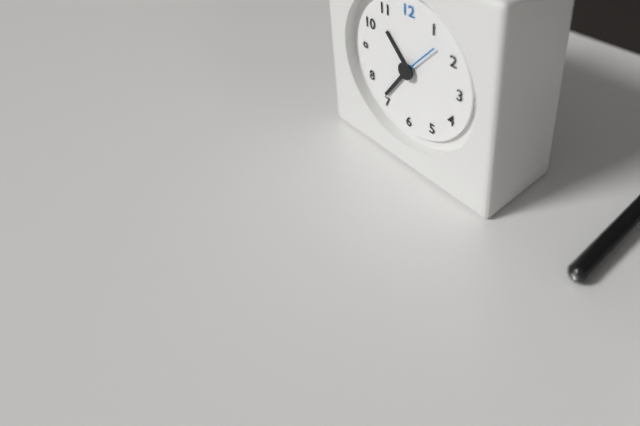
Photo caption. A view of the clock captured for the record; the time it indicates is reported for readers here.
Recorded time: 10:36
